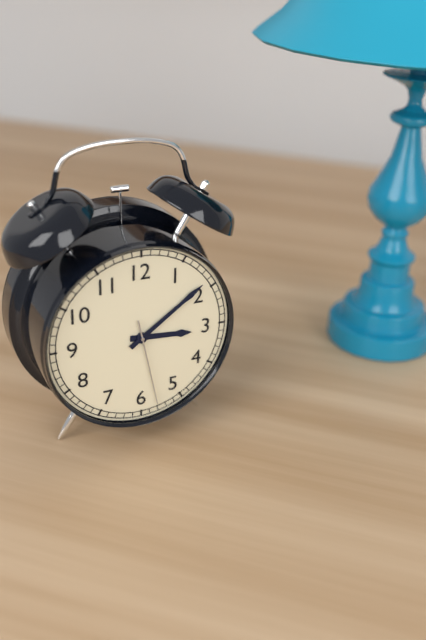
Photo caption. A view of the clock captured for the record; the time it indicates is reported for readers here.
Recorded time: 3:09:28
